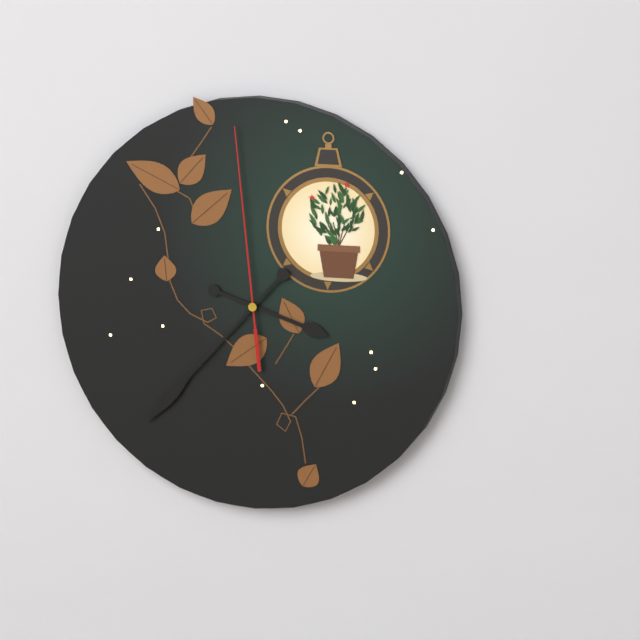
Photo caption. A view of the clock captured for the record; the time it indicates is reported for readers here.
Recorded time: 3:37:59
